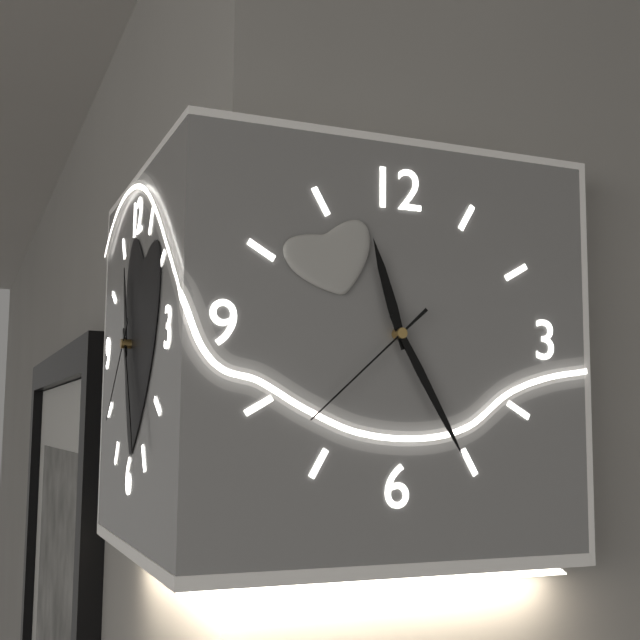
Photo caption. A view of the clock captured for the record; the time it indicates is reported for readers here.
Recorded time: 11:25:38
